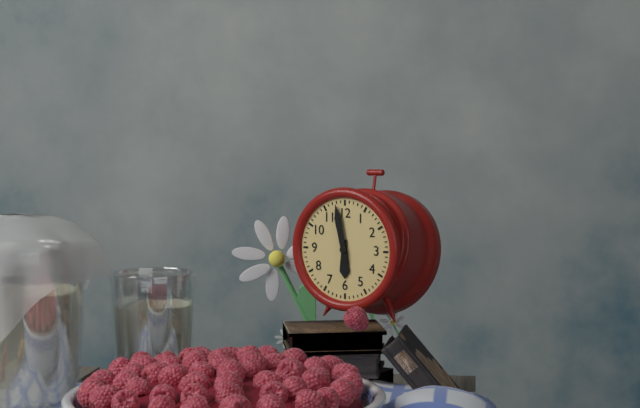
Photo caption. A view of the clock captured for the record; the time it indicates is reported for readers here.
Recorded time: 5:58
